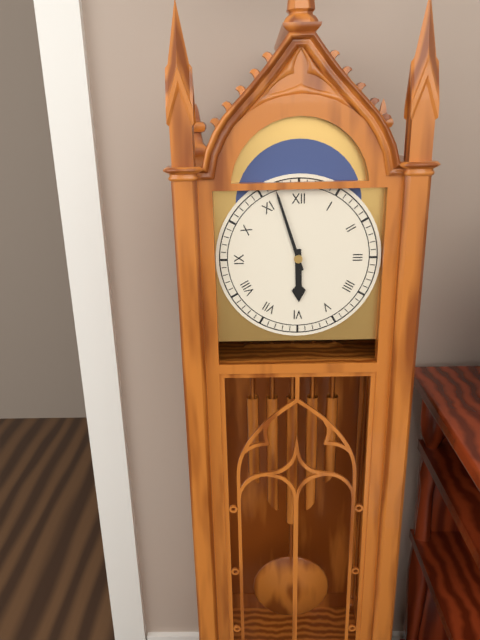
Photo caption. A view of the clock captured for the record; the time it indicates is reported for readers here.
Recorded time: 5:57
